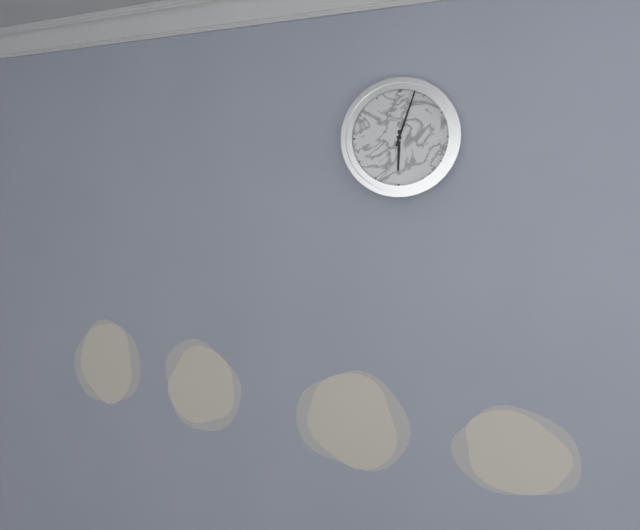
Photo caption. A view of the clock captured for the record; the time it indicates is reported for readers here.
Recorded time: 6:03
